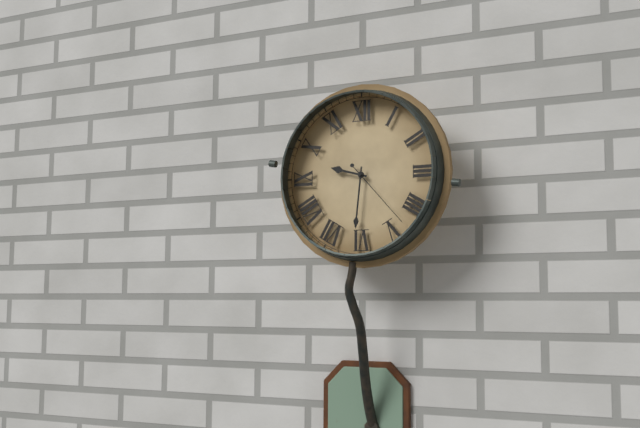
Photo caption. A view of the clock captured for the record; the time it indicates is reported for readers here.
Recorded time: 9:31:23
